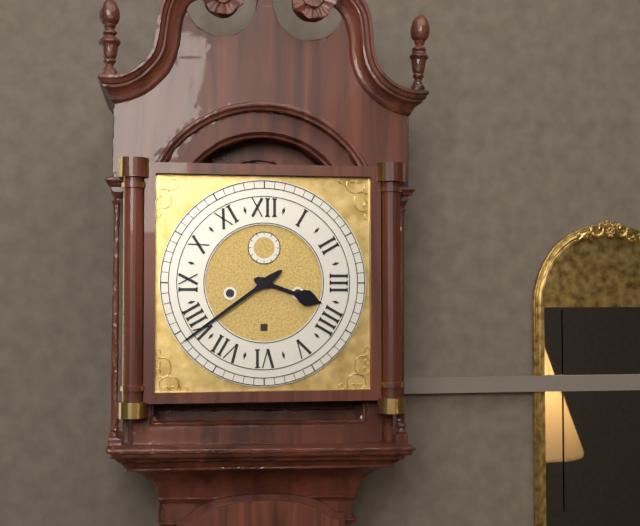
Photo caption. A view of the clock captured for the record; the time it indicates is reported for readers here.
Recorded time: 3:39
